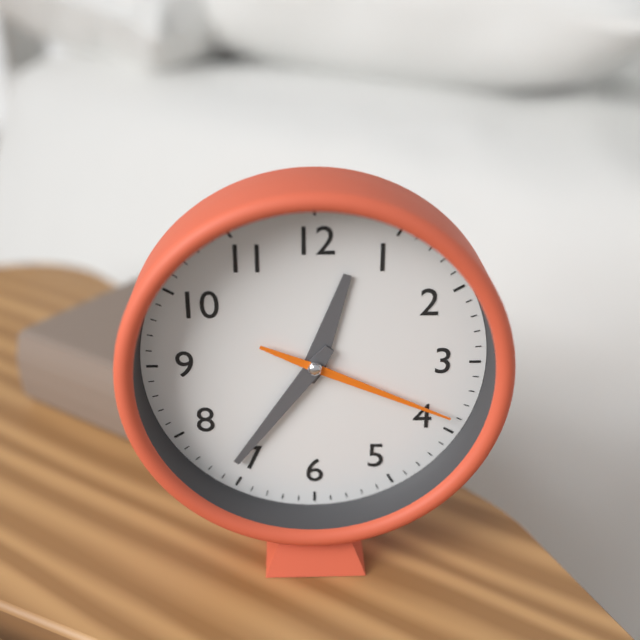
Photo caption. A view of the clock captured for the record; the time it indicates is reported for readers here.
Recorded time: 12:36:19
